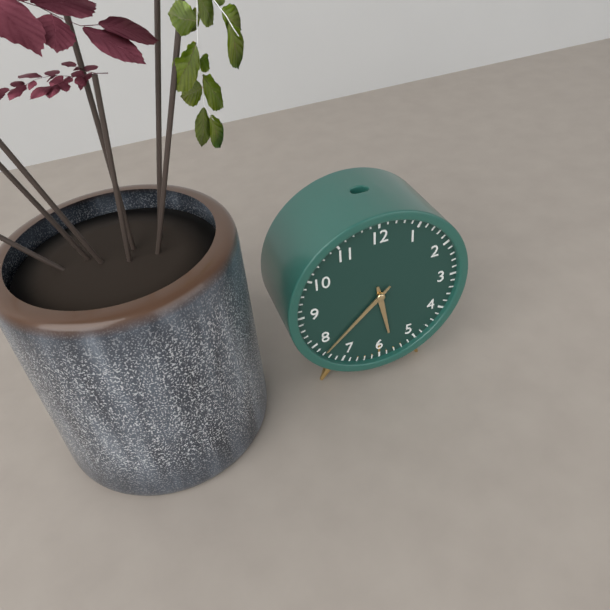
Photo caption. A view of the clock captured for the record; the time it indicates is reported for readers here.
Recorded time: 5:38
